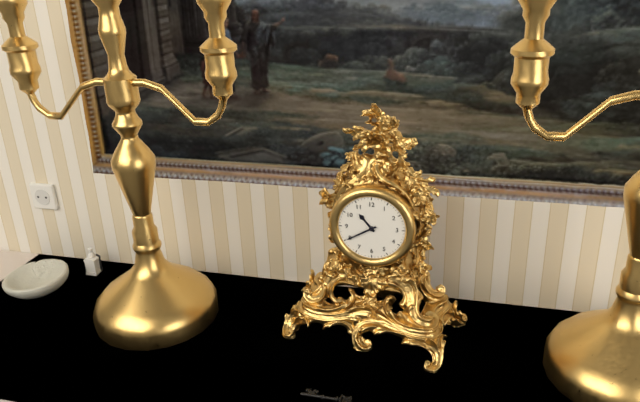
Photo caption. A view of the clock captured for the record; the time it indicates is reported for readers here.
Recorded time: 10:40
